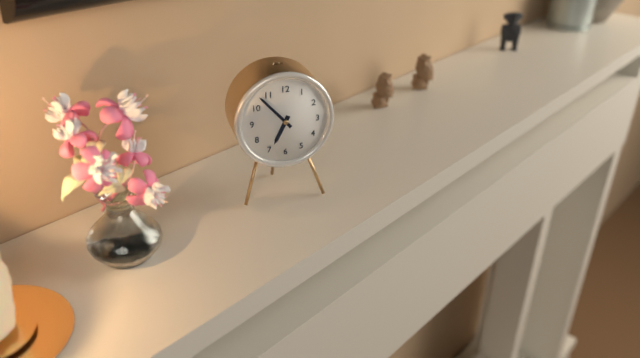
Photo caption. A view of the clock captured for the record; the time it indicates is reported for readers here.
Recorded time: 6:53
